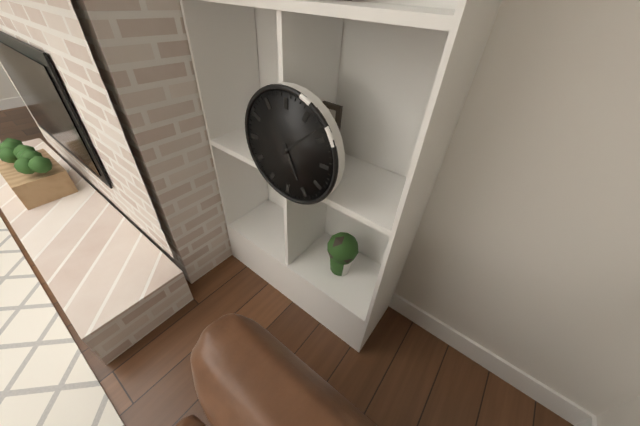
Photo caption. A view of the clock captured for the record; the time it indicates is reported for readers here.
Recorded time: 5:08
